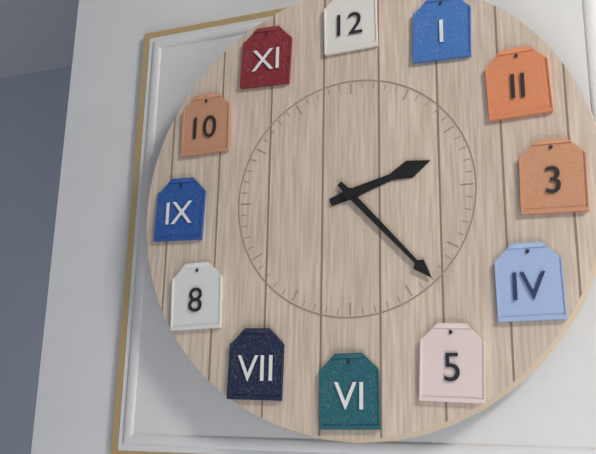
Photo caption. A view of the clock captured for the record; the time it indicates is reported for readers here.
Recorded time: 2:23
